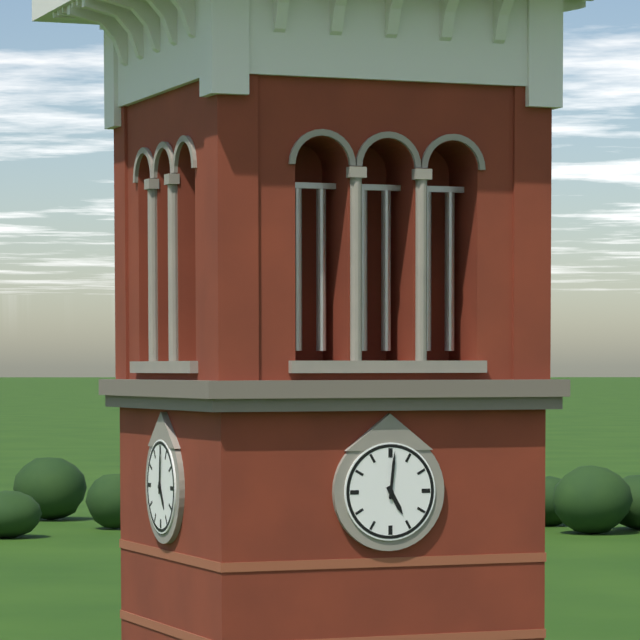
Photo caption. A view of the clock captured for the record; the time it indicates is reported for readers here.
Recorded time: 5:01
